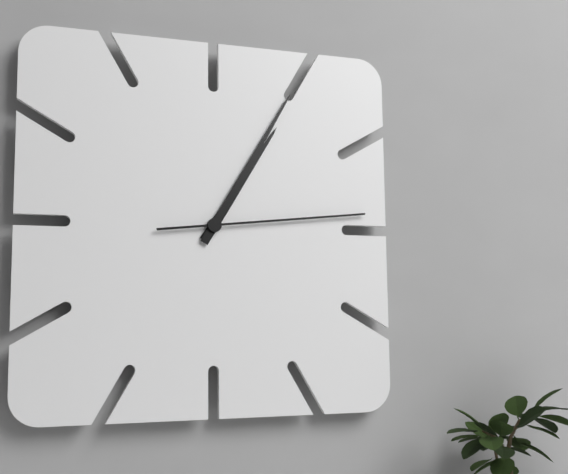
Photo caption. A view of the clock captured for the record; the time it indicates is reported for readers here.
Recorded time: 1:05:14
